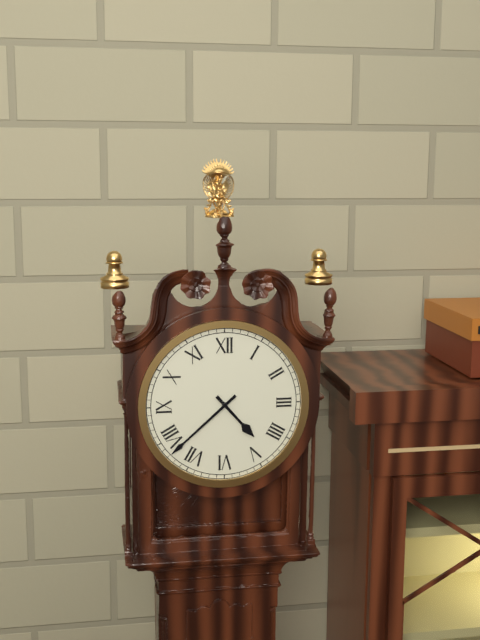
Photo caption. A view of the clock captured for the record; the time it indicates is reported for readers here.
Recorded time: 4:38
